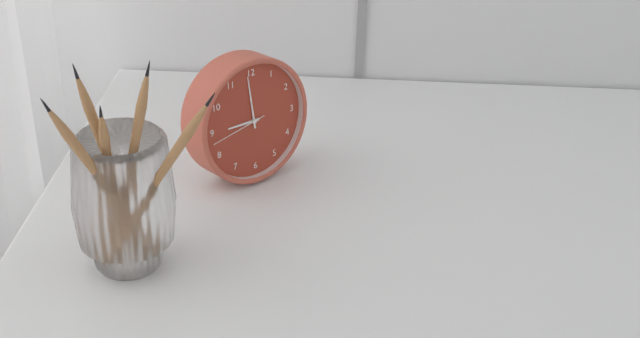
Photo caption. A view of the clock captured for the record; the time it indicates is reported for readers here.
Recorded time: 8:59:43
